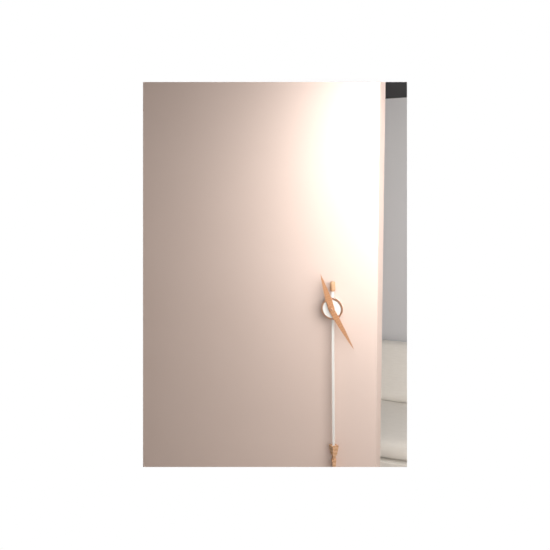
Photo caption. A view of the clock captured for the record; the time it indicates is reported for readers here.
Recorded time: 11:25
